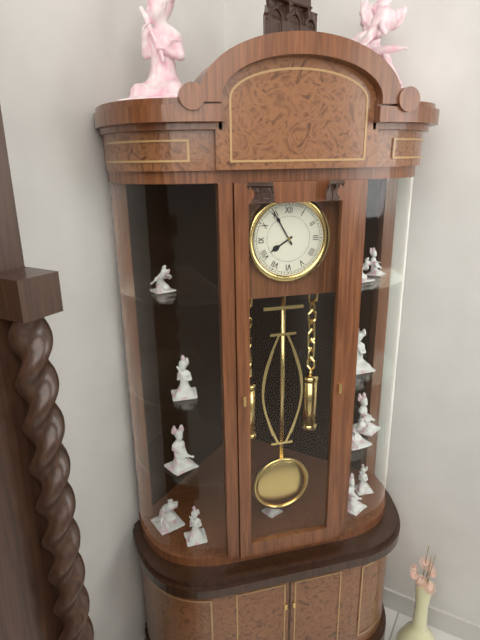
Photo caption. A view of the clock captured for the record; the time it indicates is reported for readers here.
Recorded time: 7:55
